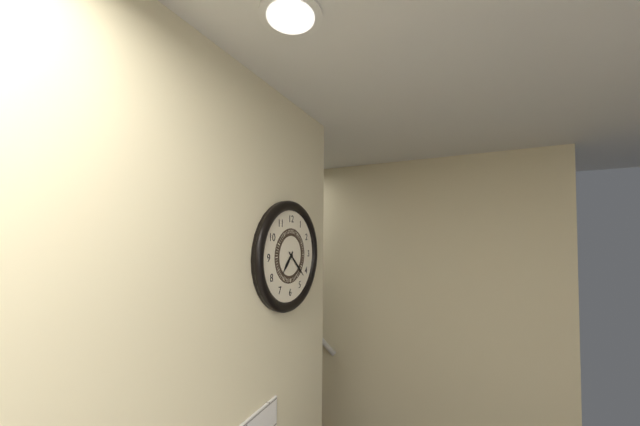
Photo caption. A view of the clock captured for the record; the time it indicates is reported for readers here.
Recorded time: 7:22
